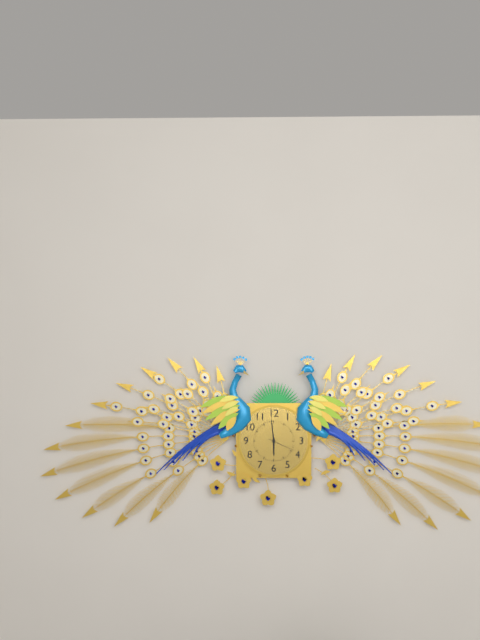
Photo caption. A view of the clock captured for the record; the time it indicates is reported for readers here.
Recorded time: 5:59
